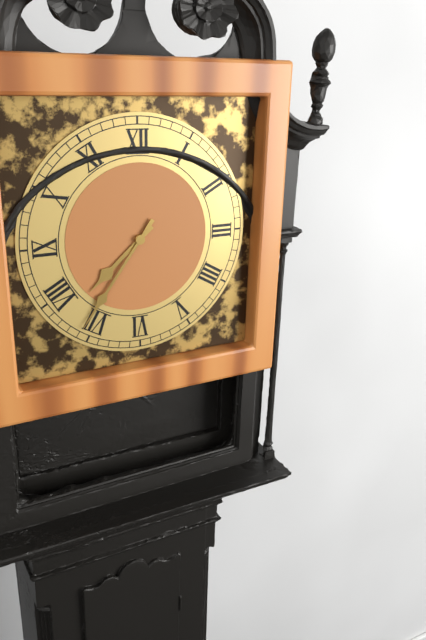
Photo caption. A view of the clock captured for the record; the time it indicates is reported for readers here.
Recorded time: 7:36
